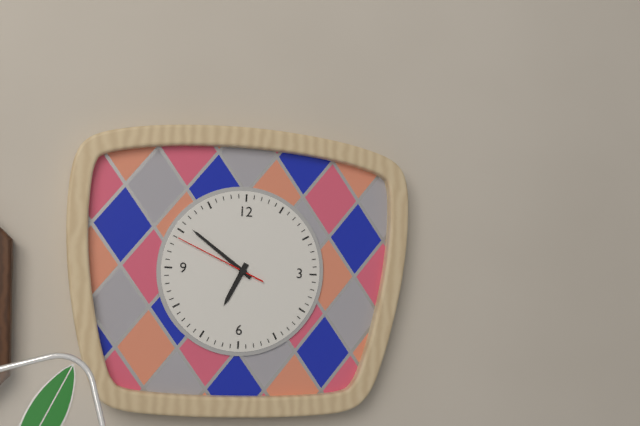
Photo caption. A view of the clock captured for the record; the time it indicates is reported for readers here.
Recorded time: 6:51:49
